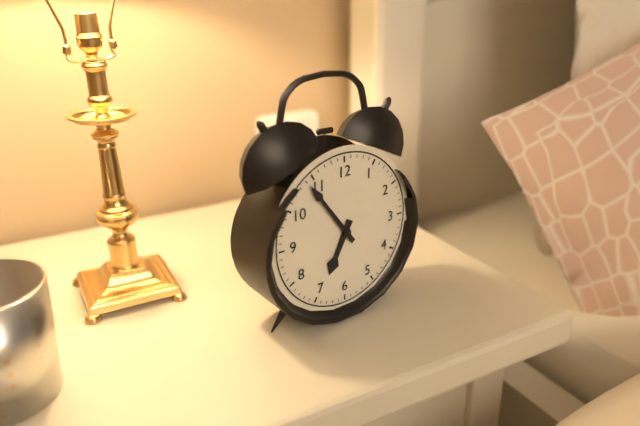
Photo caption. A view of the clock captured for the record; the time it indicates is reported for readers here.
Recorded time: 6:54
